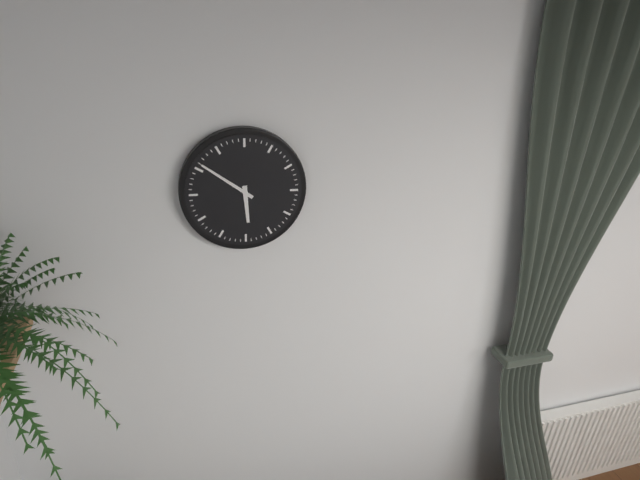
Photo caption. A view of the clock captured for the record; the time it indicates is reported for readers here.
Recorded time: 5:51
